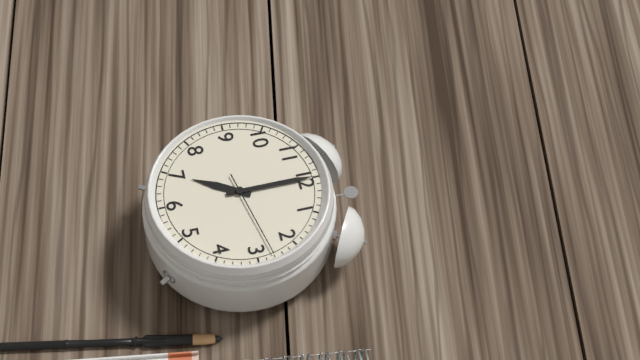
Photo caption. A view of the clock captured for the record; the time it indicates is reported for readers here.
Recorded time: 7:00:13
